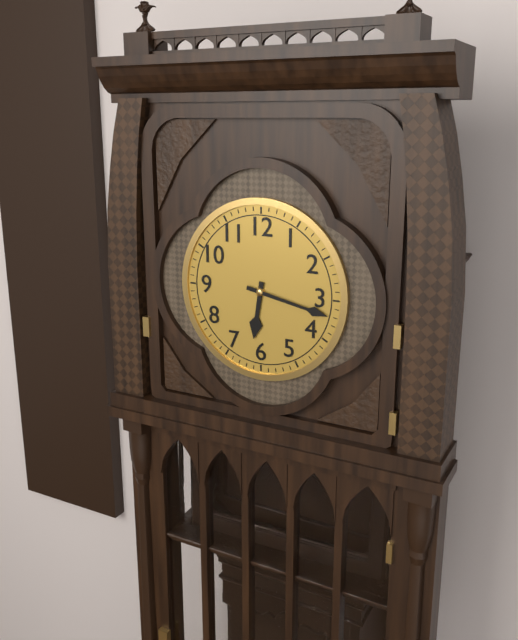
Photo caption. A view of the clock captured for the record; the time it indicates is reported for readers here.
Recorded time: 6:17
